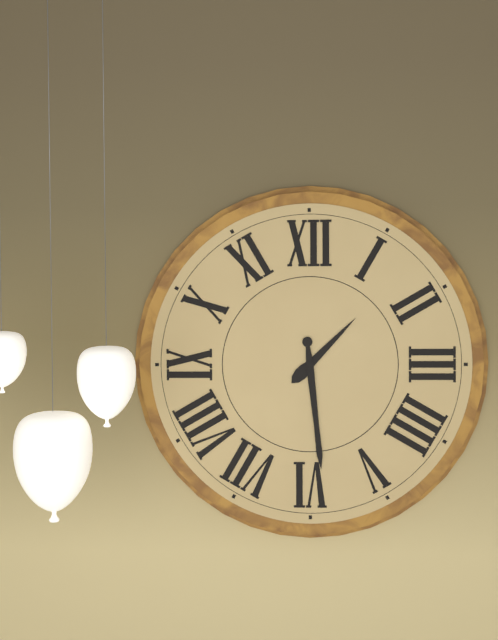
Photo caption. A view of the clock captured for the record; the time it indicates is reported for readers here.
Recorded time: 1:29
